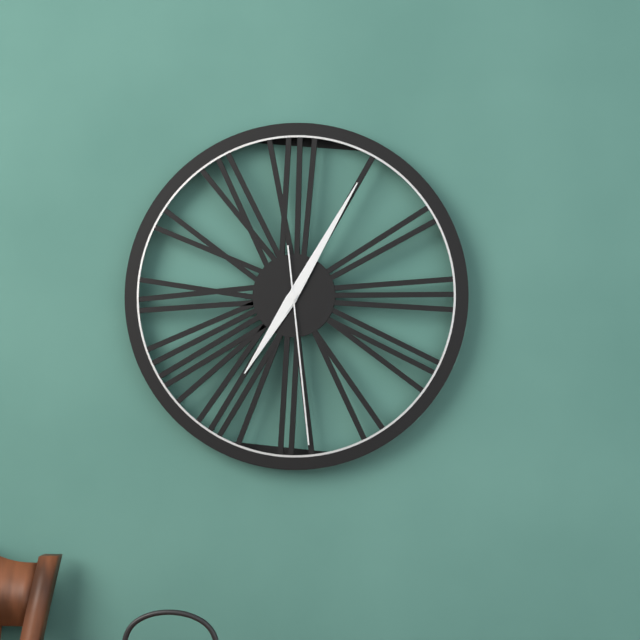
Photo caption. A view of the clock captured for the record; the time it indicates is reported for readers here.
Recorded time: 7:05:29
